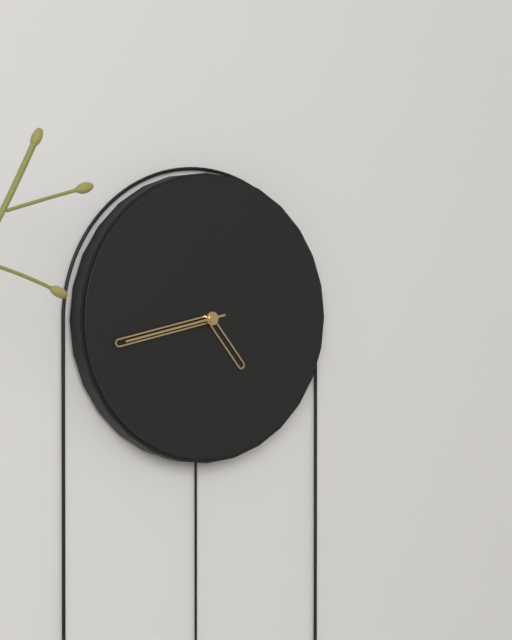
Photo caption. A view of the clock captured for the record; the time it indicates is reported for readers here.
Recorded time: 4:43:43
